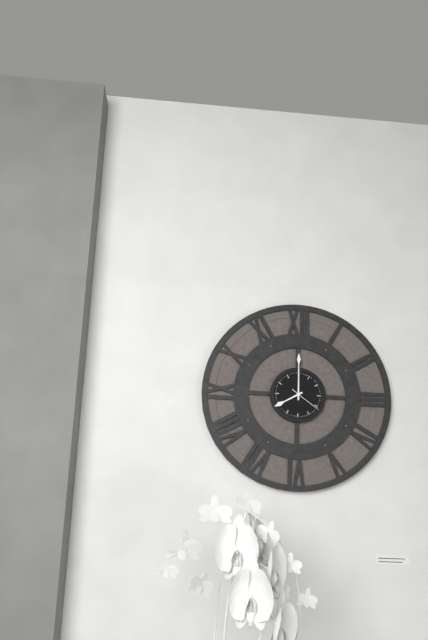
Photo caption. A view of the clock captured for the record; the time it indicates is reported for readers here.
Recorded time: 8:00
